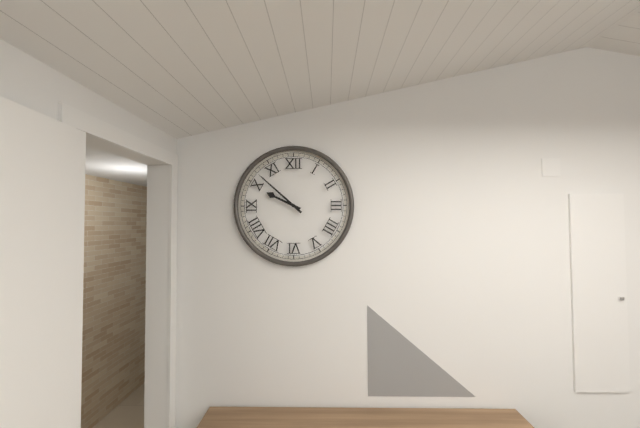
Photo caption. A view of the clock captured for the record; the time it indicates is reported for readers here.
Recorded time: 9:52
